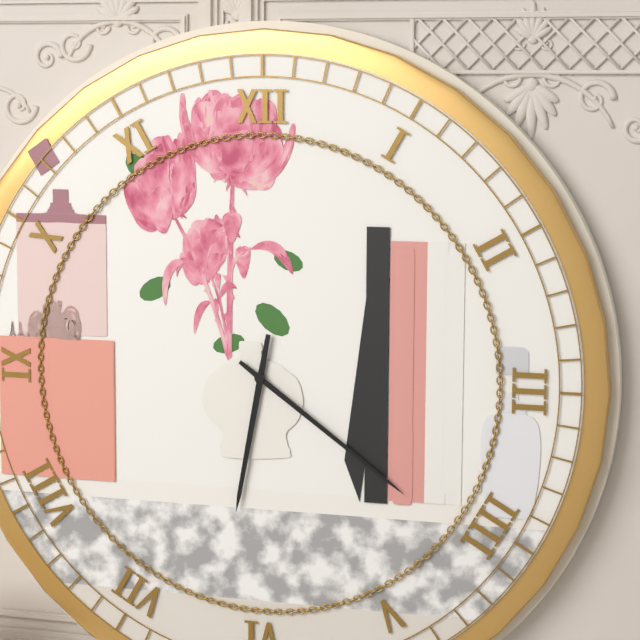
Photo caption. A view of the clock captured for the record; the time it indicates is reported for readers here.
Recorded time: 6:21
